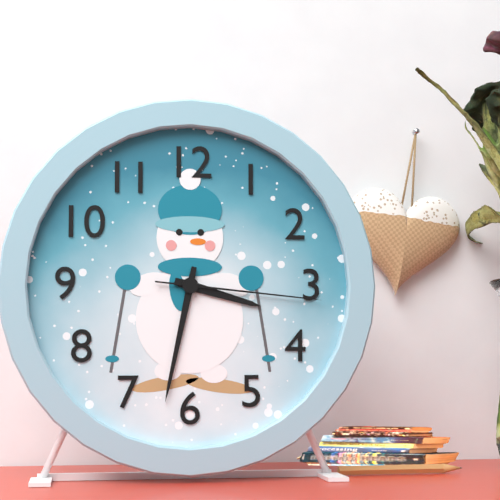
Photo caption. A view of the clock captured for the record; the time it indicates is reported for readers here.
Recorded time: 3:32:16
